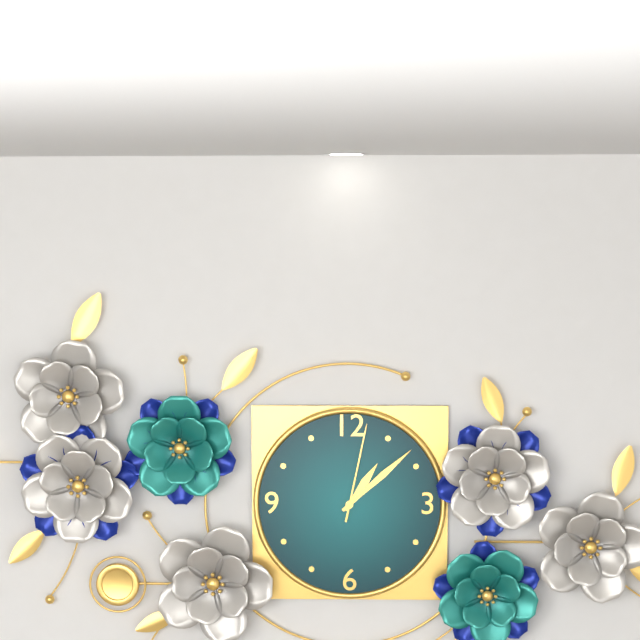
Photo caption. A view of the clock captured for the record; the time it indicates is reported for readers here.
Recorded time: 1:08:02
